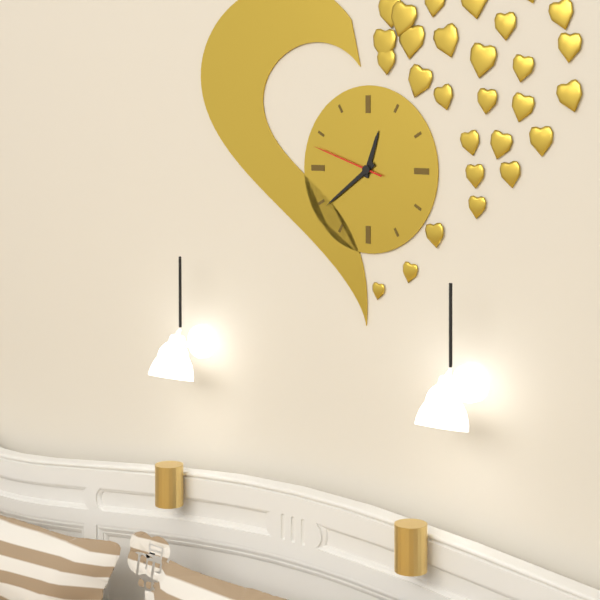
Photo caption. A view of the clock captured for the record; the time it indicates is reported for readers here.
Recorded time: 12:39:48
